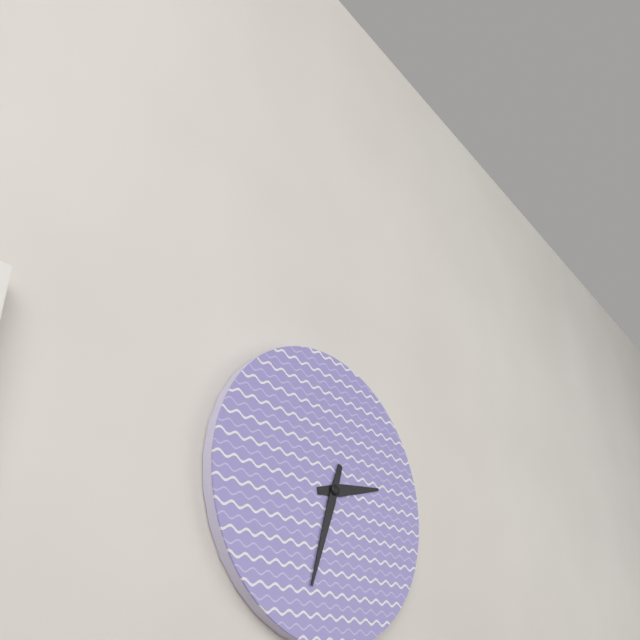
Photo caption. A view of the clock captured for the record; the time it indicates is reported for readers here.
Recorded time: 2:33
